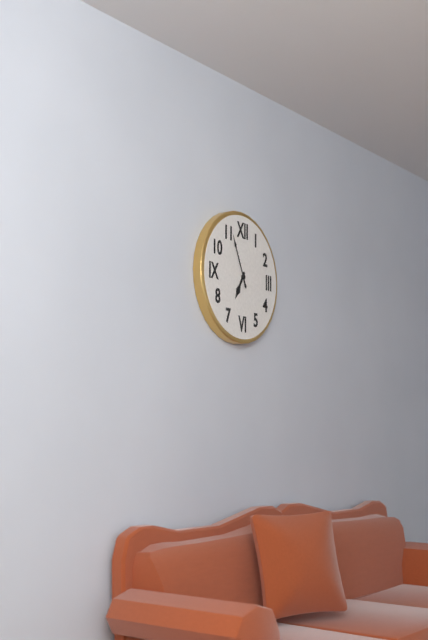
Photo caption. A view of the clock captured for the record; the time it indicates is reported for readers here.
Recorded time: 6:56
